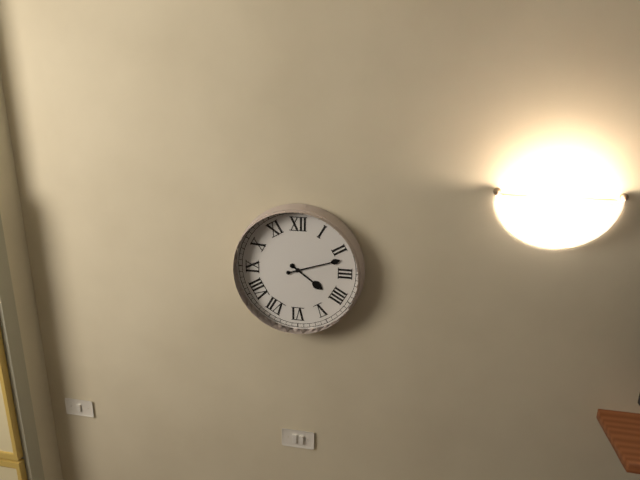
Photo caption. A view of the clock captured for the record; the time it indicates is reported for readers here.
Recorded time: 4:12
